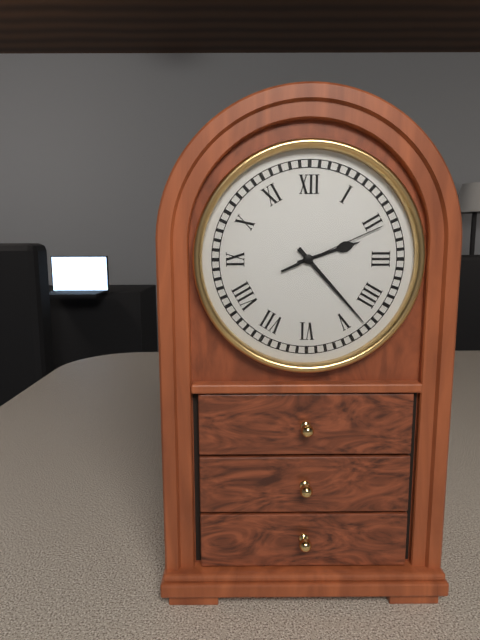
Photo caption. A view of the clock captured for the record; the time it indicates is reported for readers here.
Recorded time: 2:23:11
